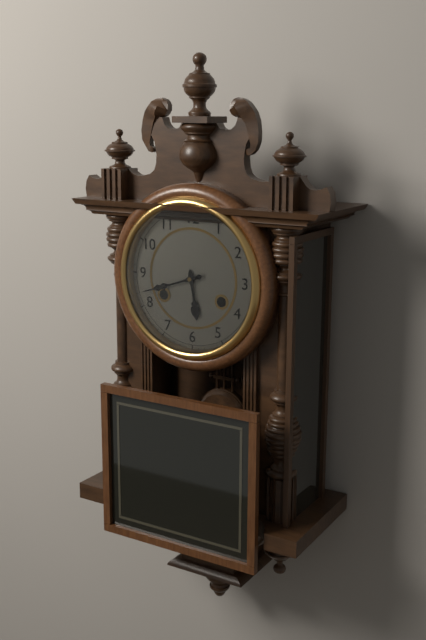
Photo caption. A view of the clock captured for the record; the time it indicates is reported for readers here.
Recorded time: 5:42
